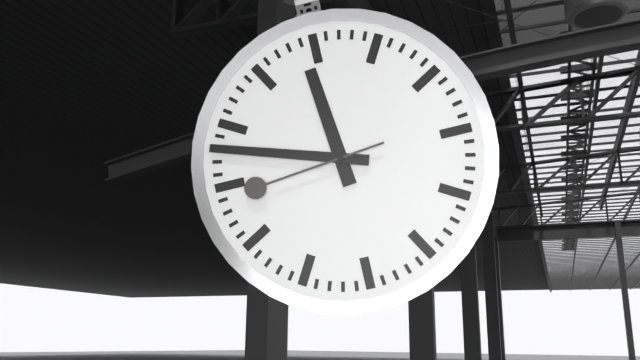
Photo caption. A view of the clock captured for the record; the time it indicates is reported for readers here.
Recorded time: 11:48:44
